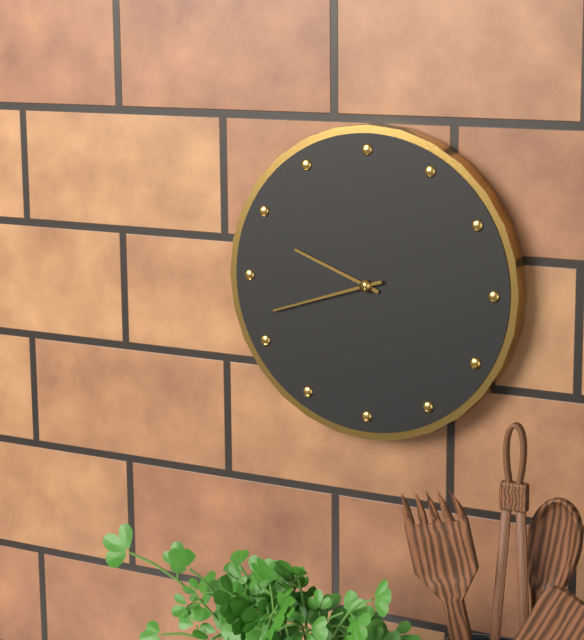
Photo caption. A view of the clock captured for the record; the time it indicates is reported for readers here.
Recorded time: 9:42
